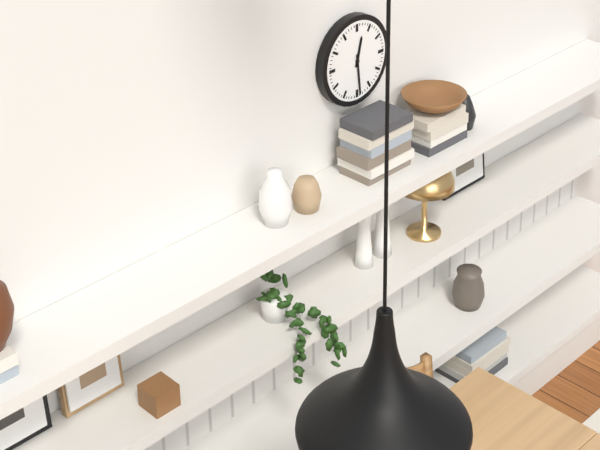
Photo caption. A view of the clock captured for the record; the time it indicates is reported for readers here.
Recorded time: 12:29
